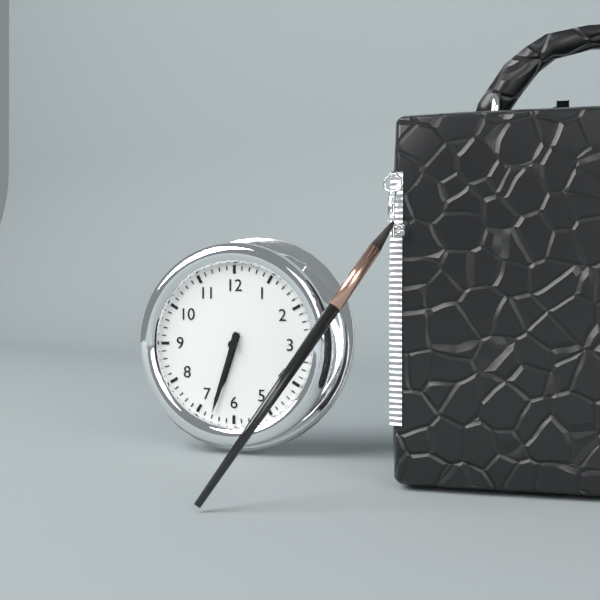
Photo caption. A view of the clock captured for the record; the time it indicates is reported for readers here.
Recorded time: 6:33
